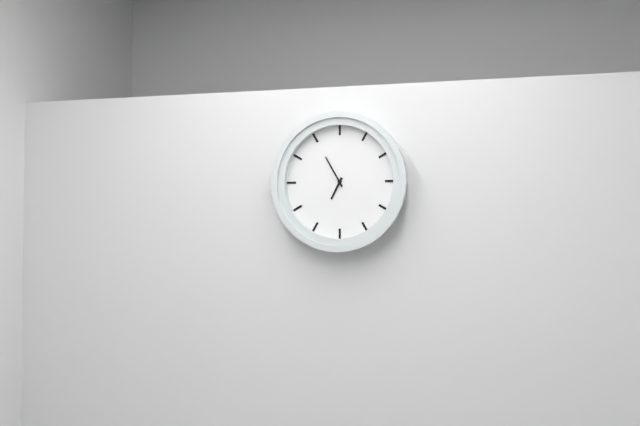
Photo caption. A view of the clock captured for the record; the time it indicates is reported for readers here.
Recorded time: 6:55
